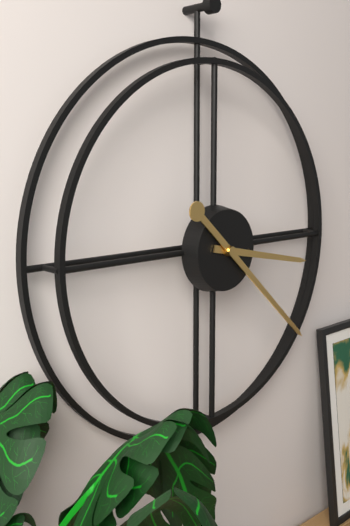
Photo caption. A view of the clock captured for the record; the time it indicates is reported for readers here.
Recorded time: 3:22
